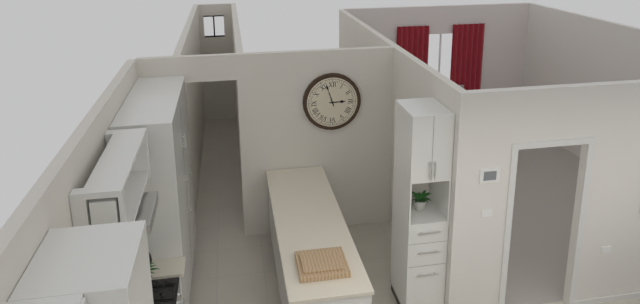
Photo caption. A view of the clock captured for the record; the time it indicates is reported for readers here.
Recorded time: 2:57
